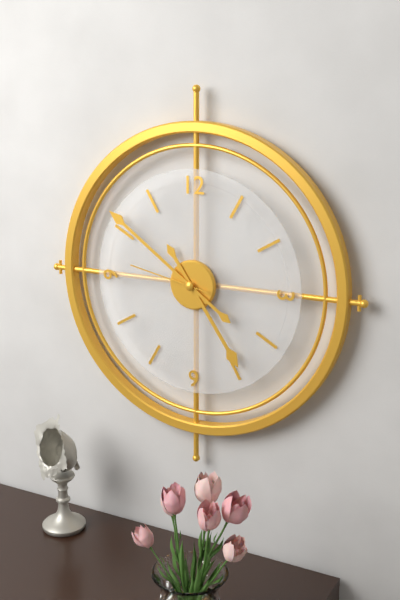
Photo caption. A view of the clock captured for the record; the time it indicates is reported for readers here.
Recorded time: 4:51:47
